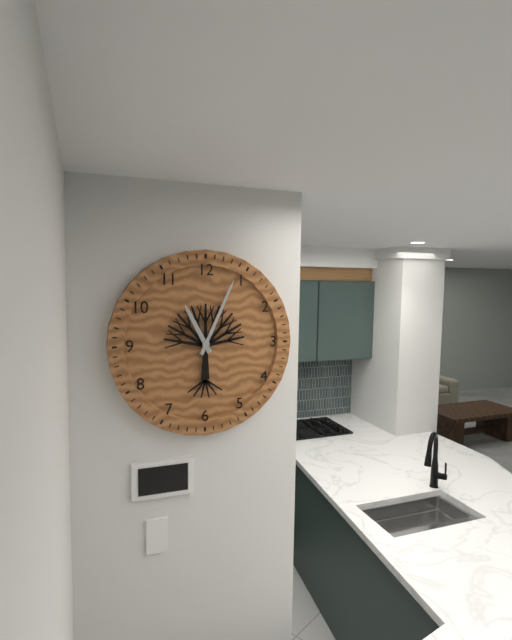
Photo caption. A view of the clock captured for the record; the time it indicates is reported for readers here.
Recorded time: 11:04
